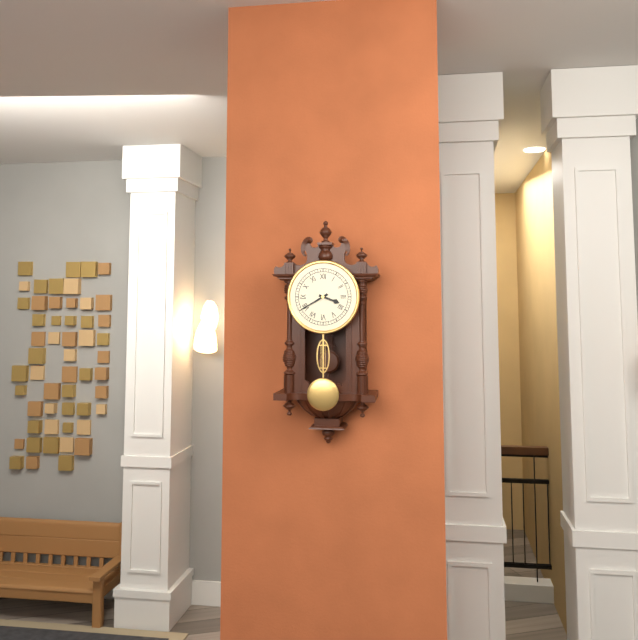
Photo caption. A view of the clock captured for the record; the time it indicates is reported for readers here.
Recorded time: 3:40
